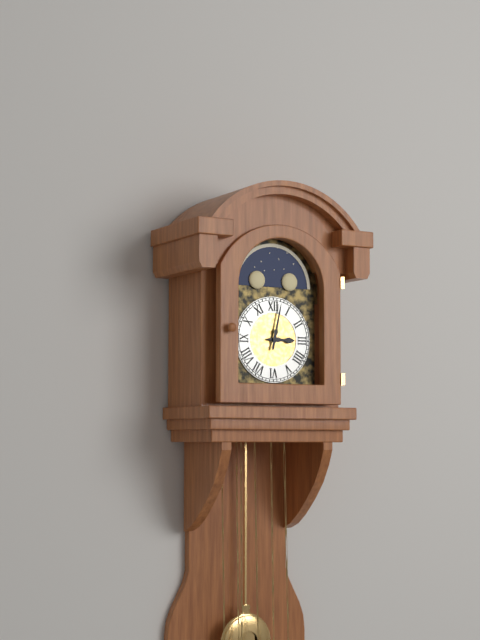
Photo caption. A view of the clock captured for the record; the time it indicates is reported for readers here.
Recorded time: 3:02
